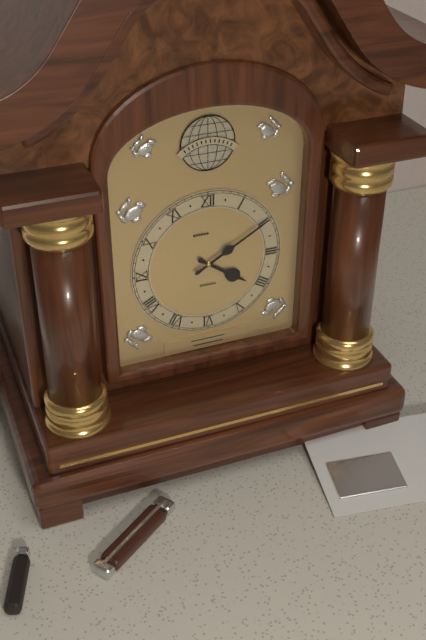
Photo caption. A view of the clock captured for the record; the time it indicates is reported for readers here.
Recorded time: 4:10
